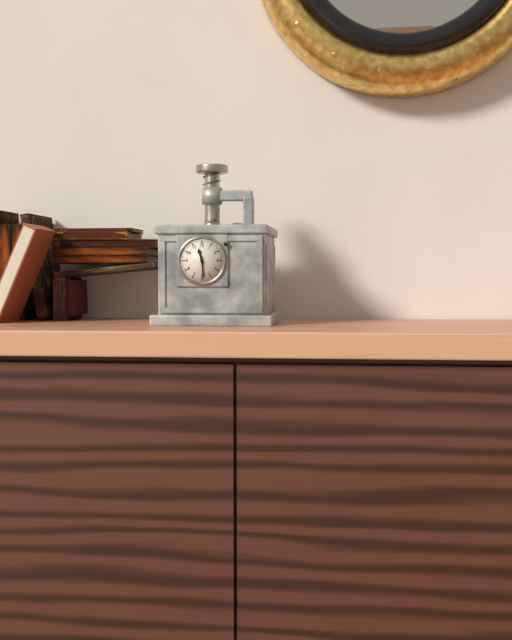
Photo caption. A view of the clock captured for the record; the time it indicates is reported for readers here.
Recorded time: 11:29
